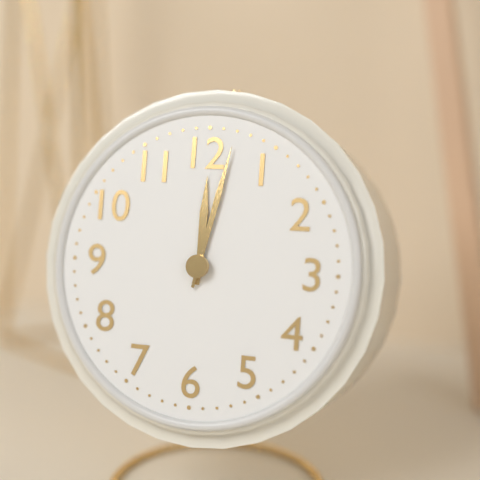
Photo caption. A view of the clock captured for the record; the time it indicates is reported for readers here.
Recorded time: 12:02
